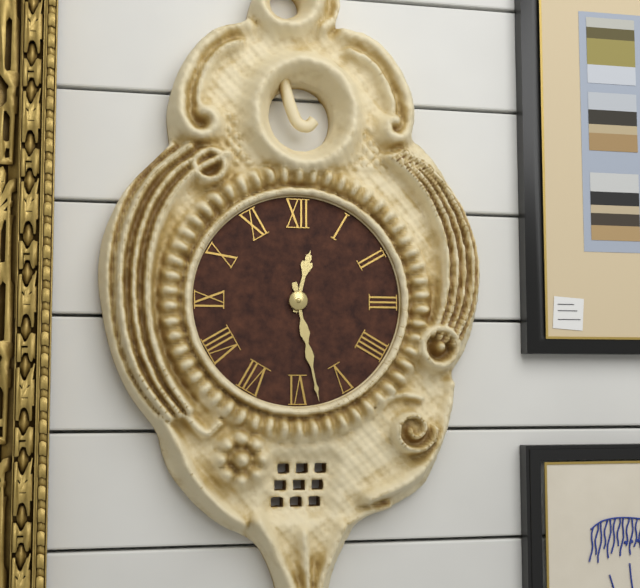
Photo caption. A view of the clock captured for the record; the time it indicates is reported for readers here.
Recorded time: 12:28
